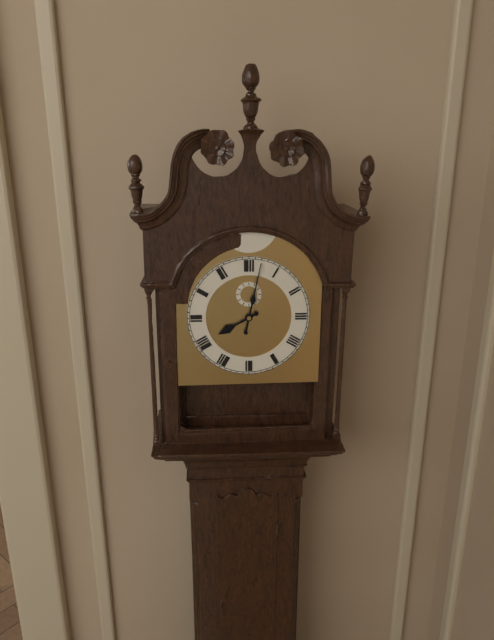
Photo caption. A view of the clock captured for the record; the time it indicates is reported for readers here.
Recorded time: 8:02
